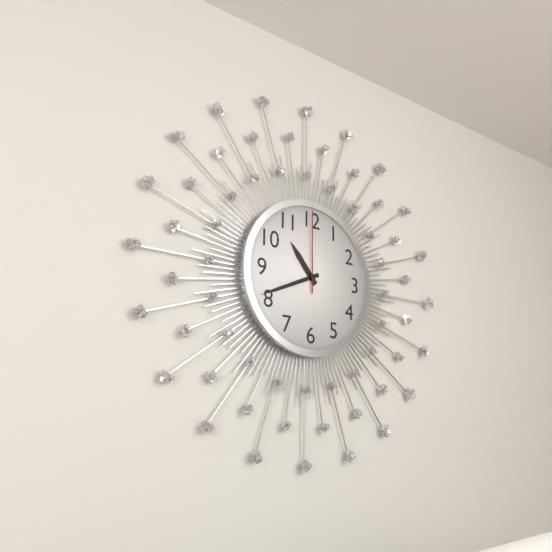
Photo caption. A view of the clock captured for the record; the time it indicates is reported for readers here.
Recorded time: 10:41:00
